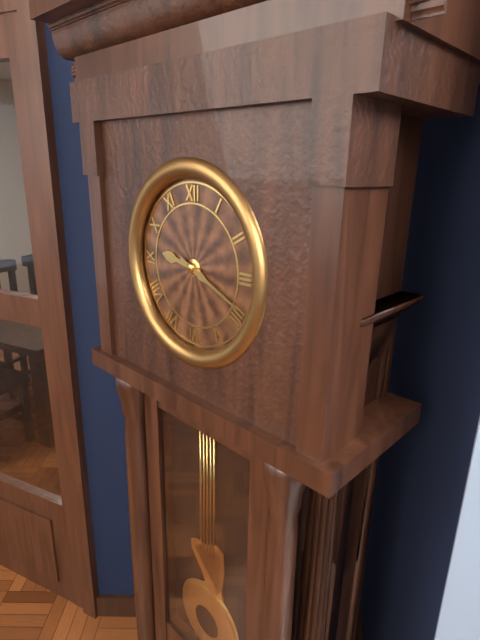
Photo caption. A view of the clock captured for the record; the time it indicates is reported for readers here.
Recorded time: 9:19
